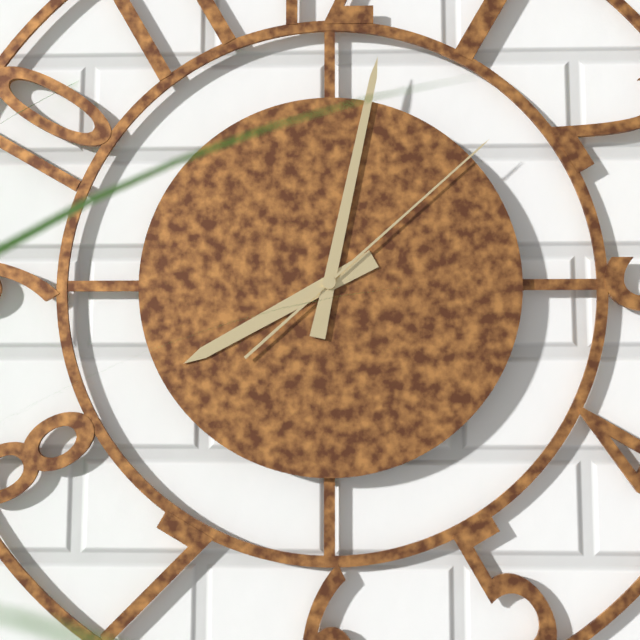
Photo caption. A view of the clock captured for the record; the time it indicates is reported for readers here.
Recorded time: 8:02:08
